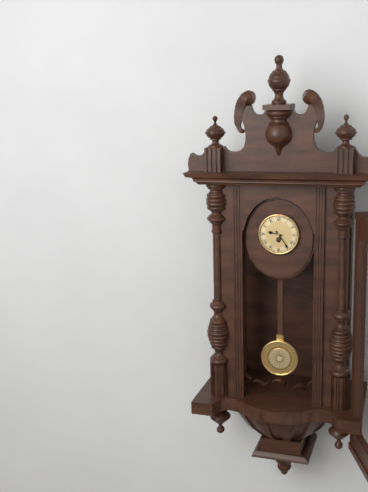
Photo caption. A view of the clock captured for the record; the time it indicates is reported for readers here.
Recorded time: 9:24
